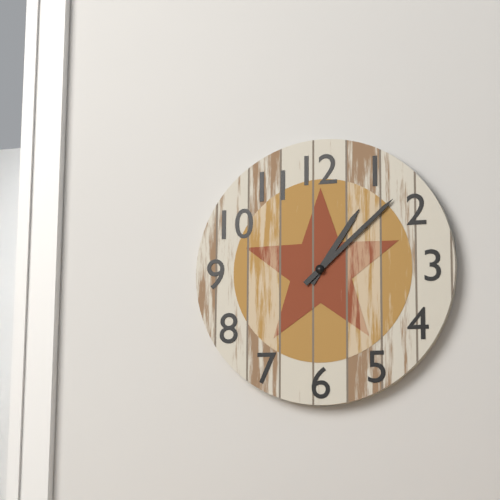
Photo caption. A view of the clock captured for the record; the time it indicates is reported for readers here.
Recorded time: 1:08
